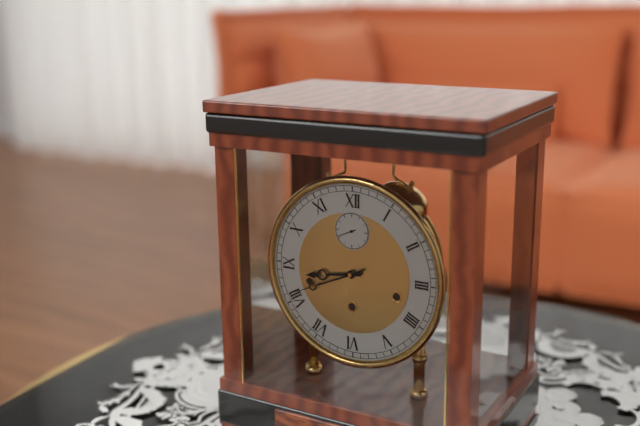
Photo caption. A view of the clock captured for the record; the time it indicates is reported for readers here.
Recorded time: 8:41
